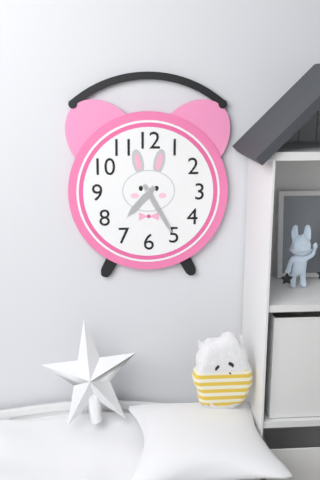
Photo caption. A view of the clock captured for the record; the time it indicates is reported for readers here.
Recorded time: 7:25
